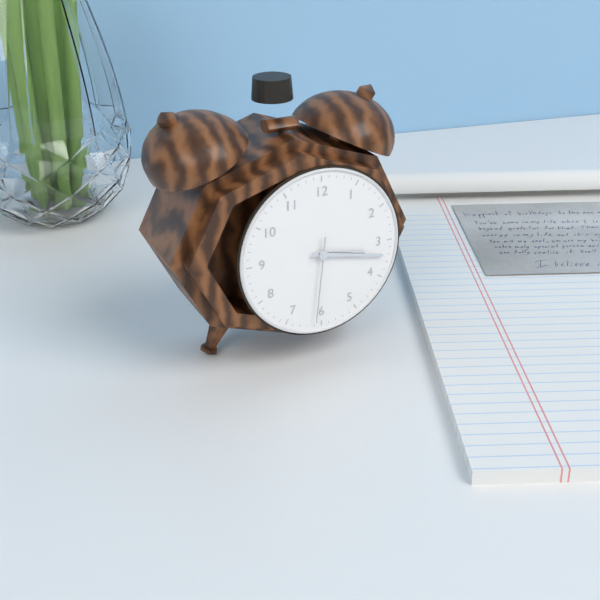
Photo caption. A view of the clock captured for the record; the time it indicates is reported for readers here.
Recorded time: 3:17:31
